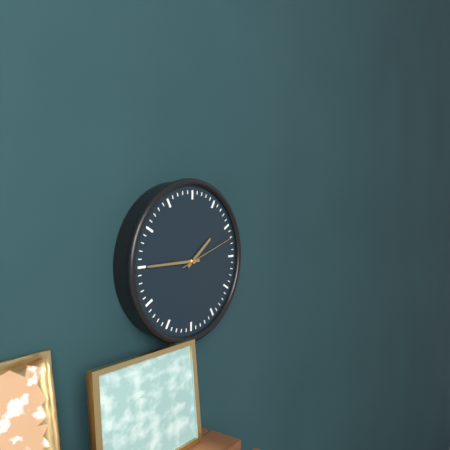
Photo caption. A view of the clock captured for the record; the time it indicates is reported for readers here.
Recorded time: 1:45:12
